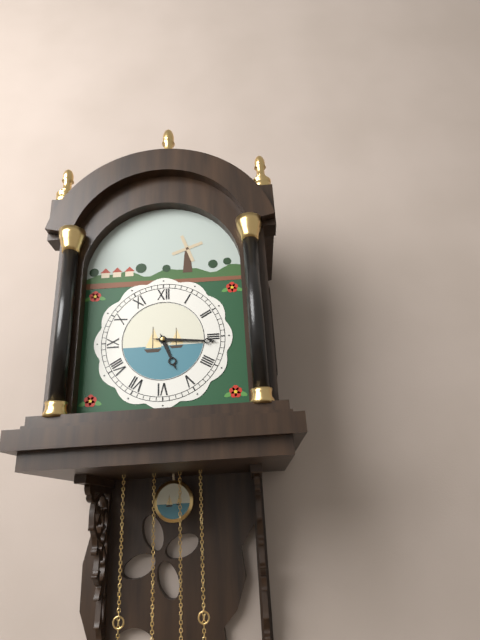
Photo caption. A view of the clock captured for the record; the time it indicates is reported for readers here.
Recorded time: 5:16
